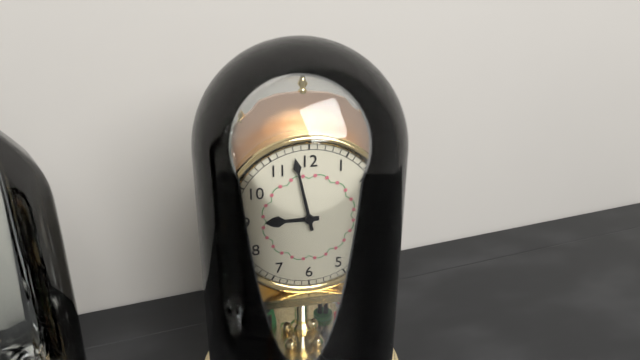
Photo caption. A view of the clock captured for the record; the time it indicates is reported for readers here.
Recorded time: 8:58
